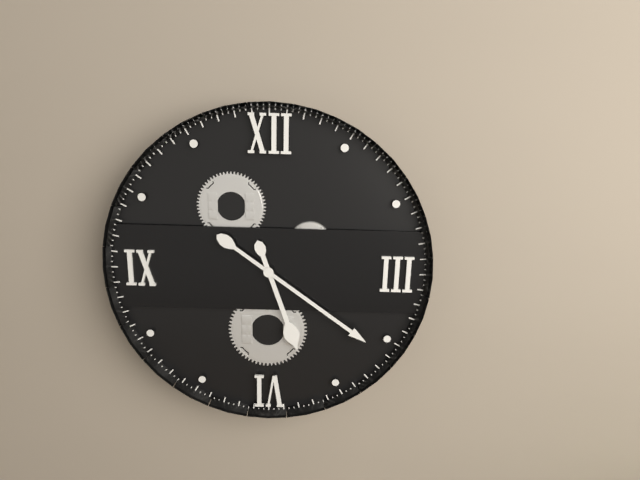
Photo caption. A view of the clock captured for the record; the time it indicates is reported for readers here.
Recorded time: 5:21
